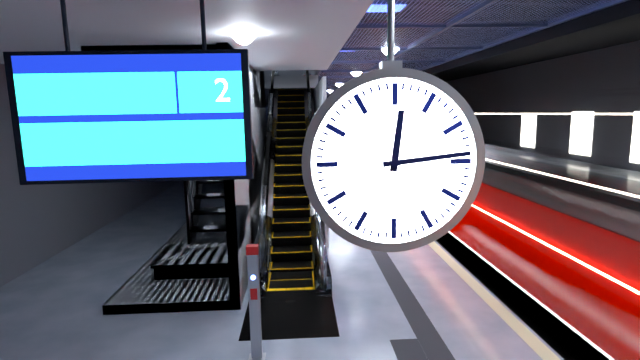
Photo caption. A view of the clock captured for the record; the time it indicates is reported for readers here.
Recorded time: 12:14
